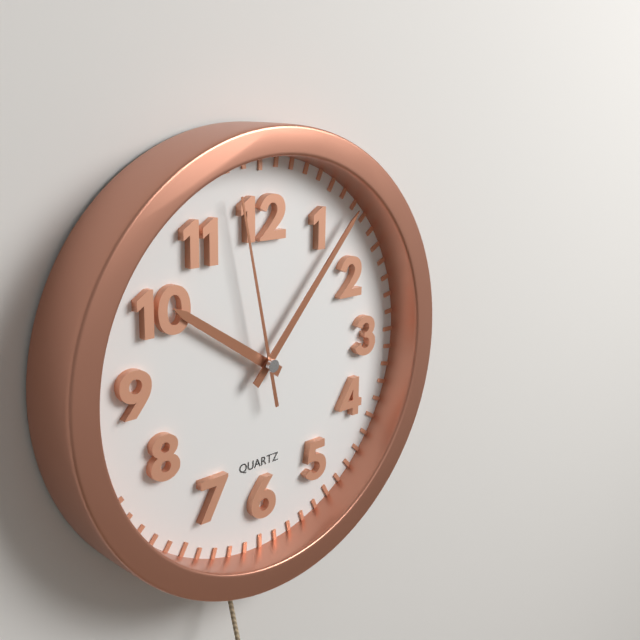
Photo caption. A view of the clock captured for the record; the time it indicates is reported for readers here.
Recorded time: 10:07:58
